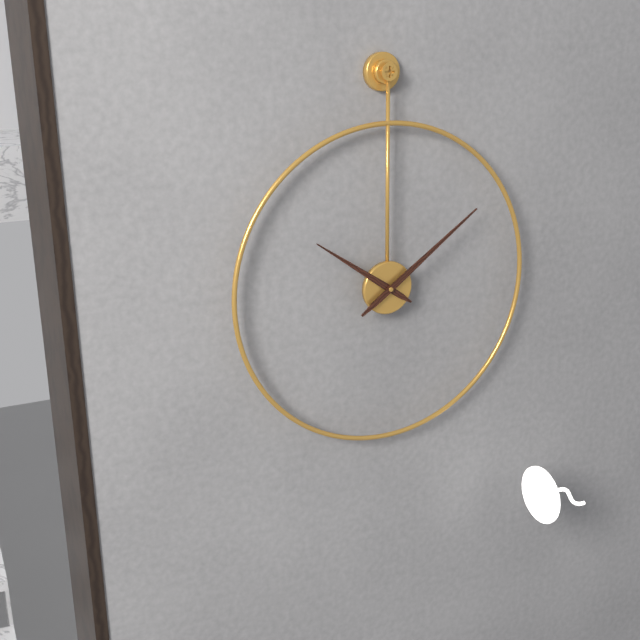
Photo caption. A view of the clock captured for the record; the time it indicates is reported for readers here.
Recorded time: 10:09
